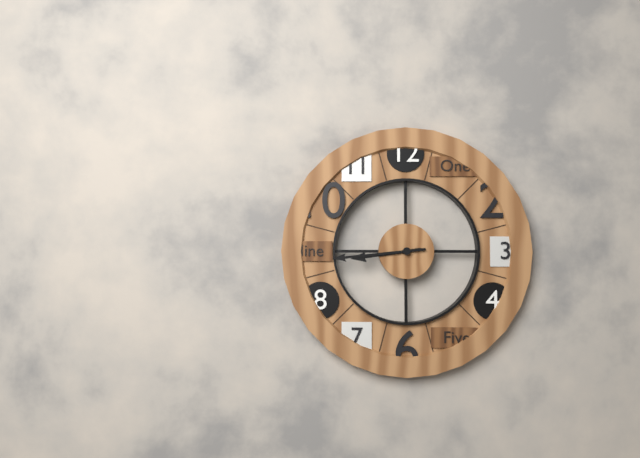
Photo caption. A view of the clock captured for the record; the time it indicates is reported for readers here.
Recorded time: 8:44
